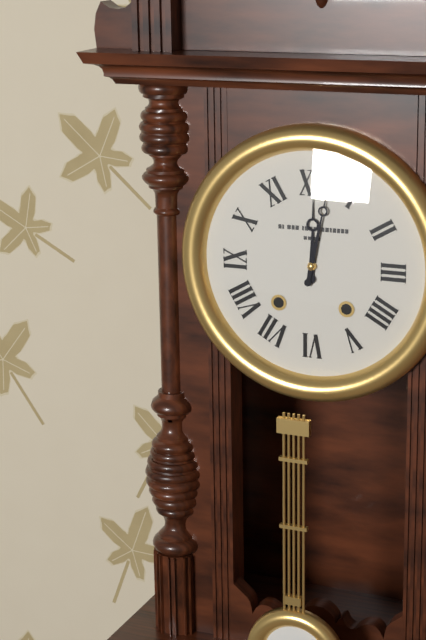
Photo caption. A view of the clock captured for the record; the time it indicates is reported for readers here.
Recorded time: 12:02
